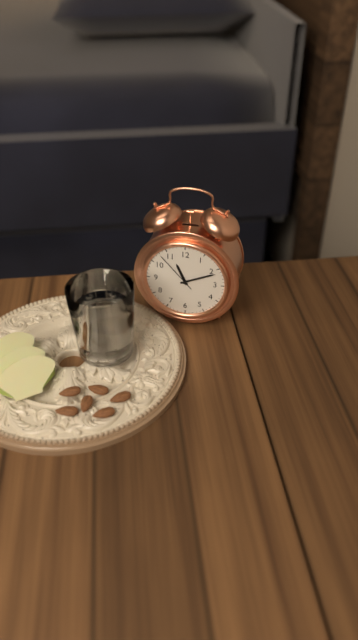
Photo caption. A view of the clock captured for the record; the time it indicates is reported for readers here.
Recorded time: 11:11
